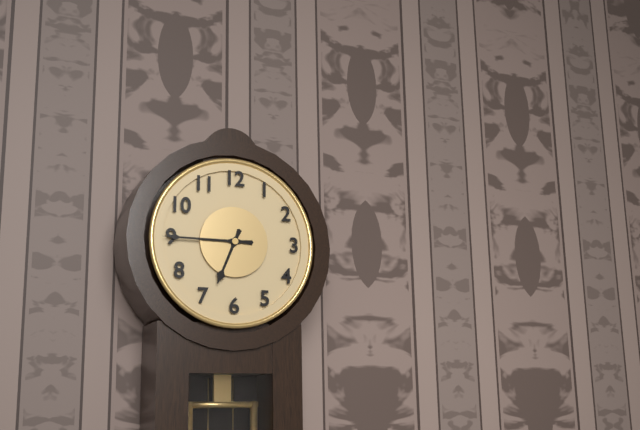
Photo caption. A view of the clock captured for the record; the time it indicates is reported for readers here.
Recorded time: 6:45
